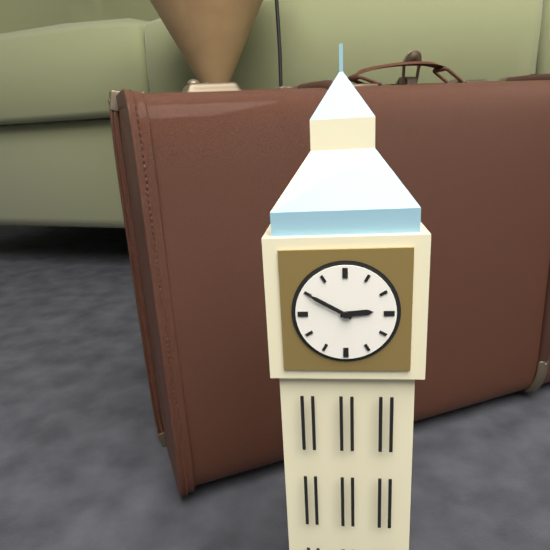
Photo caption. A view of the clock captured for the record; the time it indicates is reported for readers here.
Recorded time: 2:50
